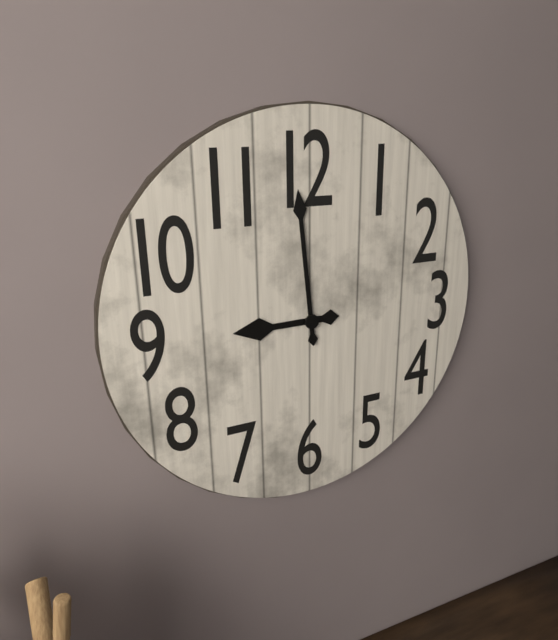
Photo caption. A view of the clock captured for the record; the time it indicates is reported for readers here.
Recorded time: 8:59
